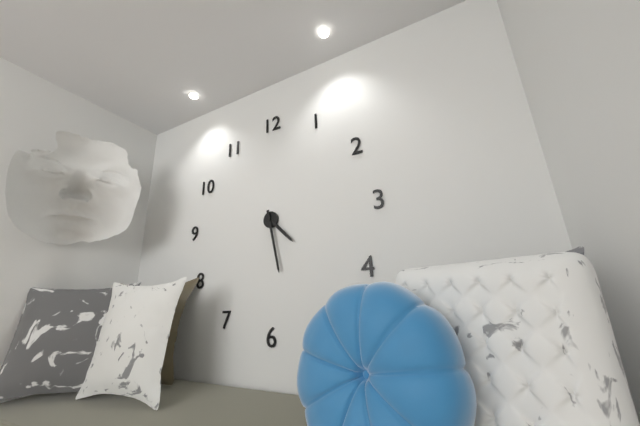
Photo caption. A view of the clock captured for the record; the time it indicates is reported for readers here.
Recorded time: 4:28
